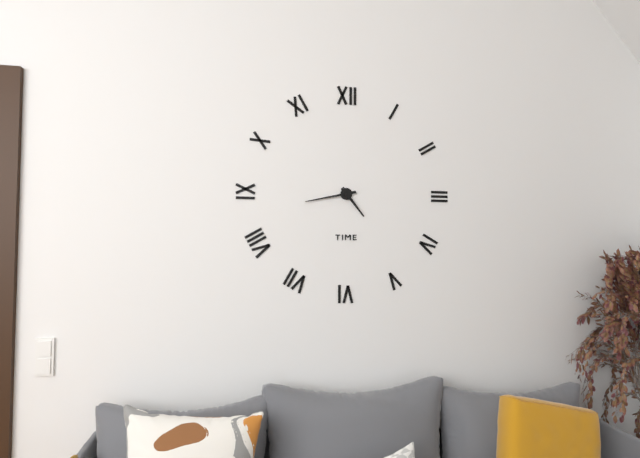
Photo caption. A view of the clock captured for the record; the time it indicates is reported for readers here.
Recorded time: 4:43
